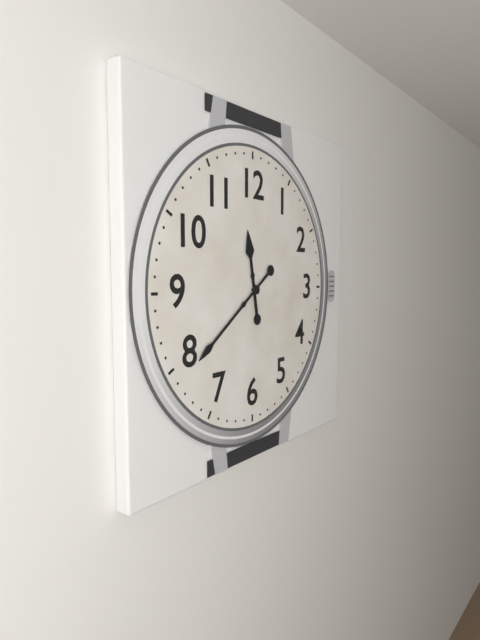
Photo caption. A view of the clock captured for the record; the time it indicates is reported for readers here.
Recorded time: 11:39
